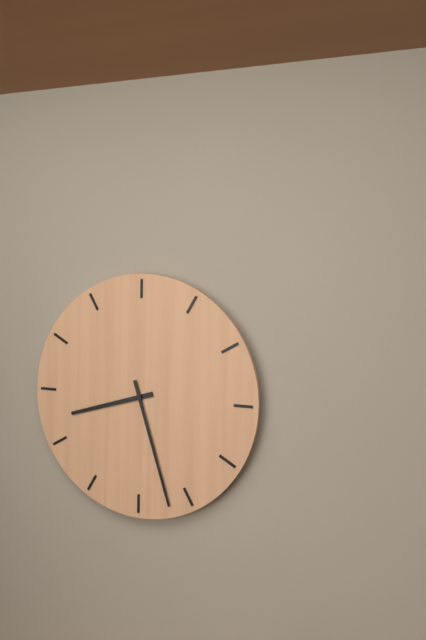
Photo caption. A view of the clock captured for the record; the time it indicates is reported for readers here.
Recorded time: 8:27
